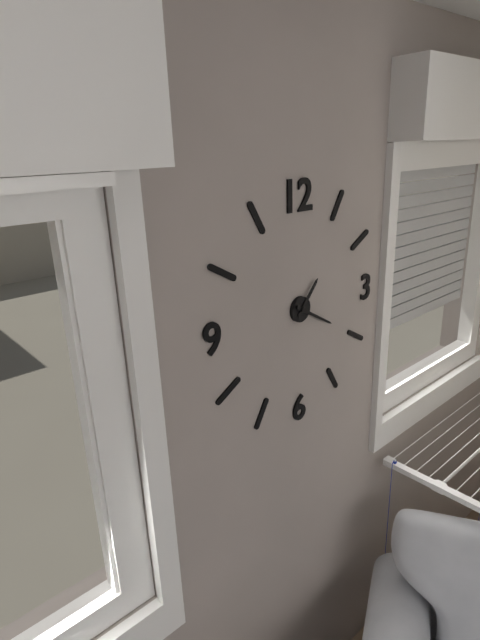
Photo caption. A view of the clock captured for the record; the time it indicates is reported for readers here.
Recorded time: 1:20
